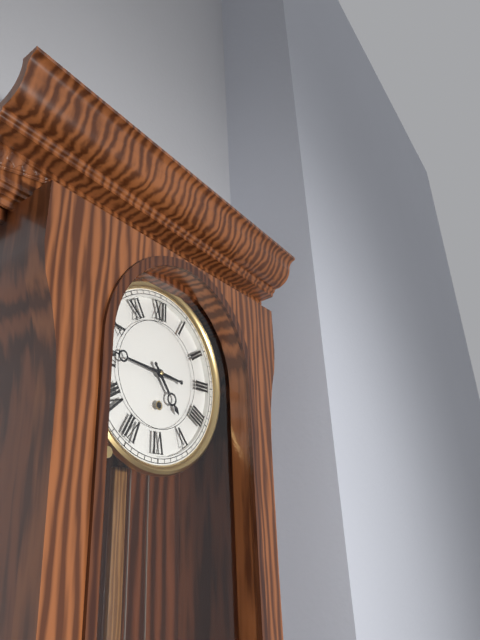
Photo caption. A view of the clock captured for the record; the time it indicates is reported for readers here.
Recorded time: 4:46
